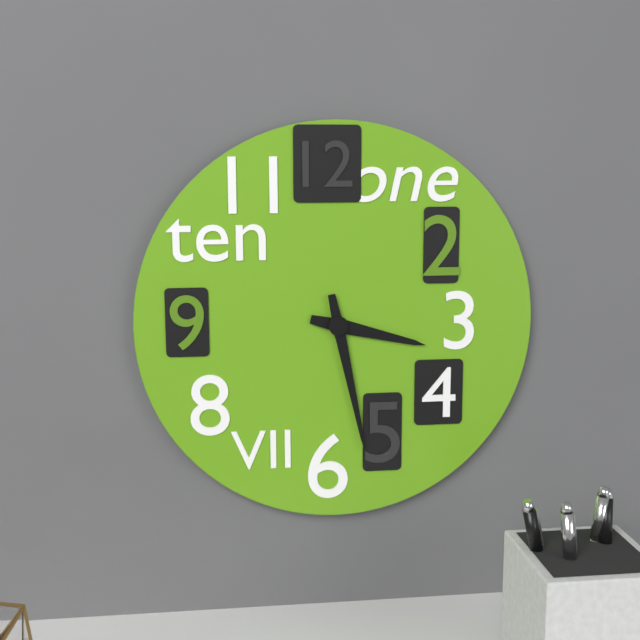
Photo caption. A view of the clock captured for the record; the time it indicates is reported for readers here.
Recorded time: 3:28
